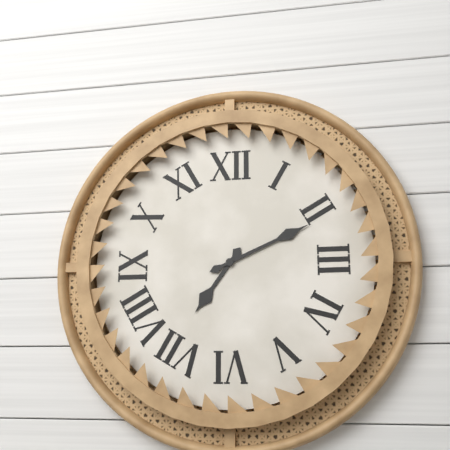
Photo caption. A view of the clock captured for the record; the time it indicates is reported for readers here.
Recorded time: 7:11
